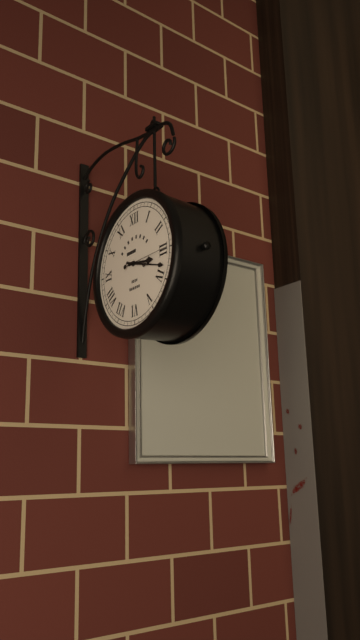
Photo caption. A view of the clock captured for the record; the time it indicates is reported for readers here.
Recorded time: 3:18
